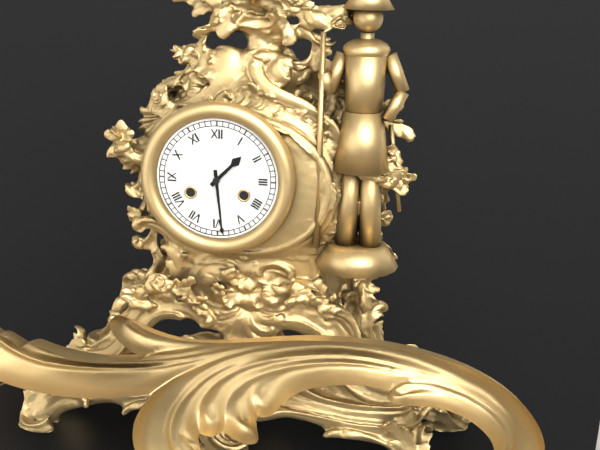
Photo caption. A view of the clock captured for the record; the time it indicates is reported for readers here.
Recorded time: 1:29
